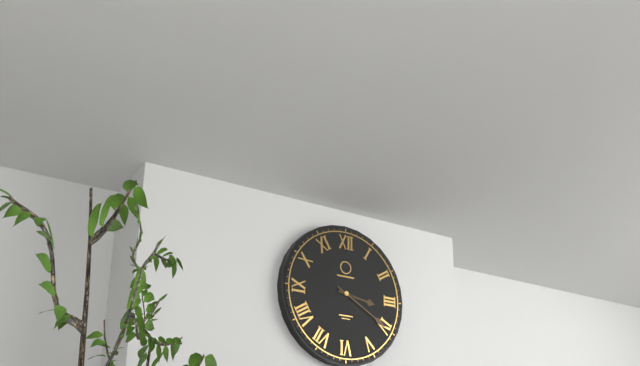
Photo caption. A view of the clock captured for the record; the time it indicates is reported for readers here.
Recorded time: 3:20
